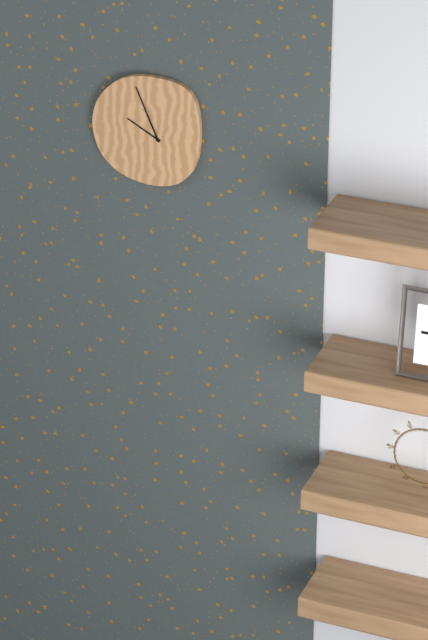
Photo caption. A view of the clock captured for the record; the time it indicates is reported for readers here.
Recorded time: 9:56
